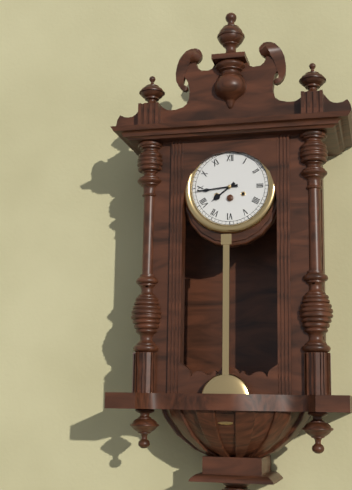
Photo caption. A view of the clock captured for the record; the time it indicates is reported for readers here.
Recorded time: 7:44
